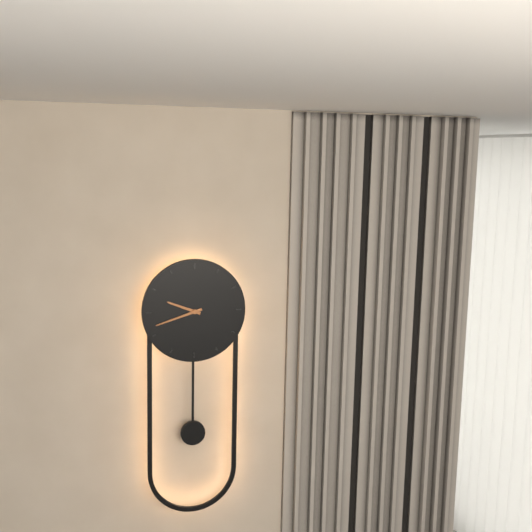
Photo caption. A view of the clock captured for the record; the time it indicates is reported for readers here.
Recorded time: 9:42
